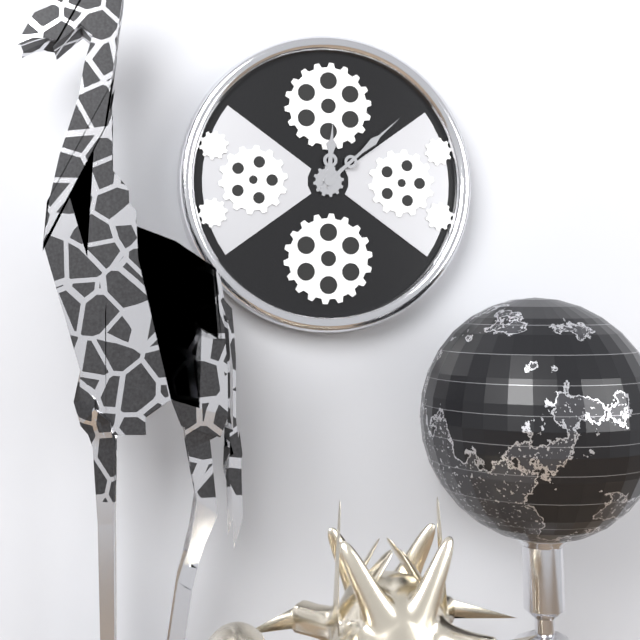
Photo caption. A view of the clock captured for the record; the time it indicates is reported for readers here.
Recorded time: 12:08
